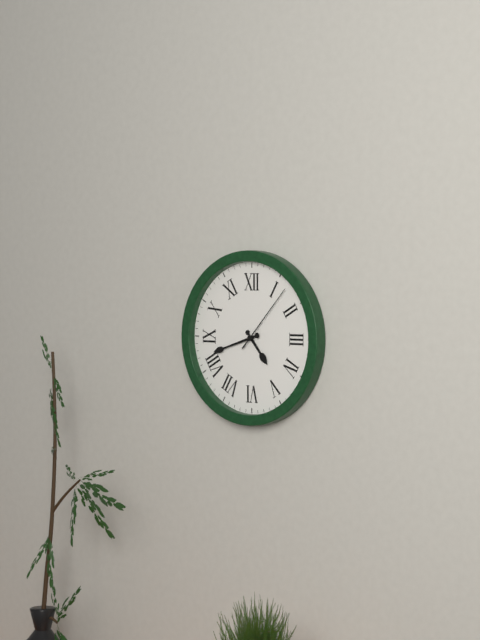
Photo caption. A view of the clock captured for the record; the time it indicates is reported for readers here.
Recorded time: 4:42:07
